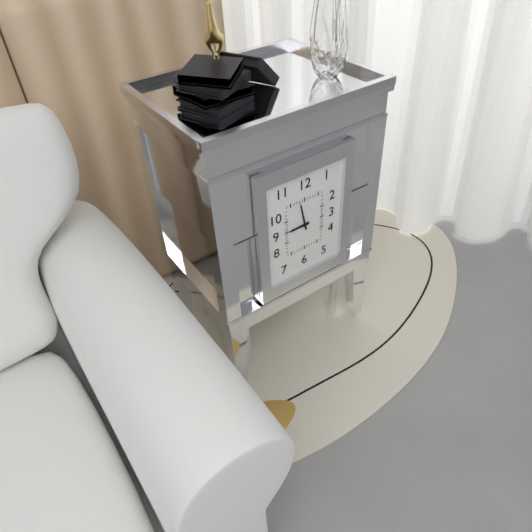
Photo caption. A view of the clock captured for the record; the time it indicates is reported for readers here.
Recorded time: 8:58
